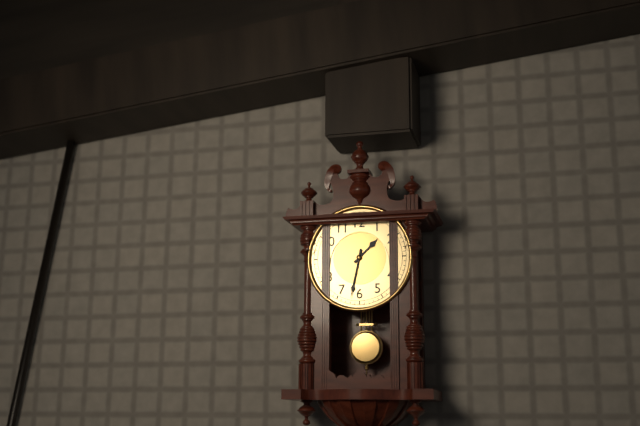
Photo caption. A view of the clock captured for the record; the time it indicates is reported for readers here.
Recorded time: 1:32
